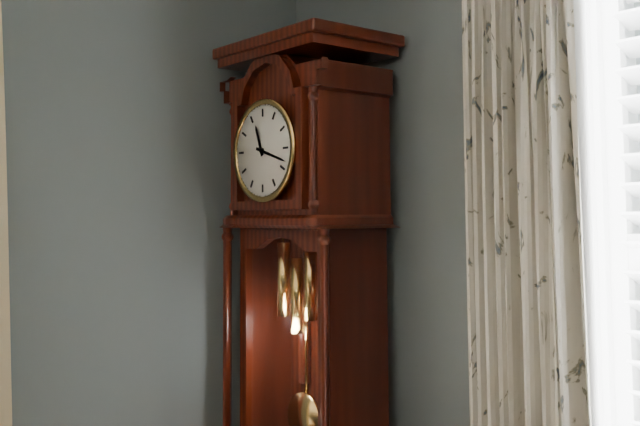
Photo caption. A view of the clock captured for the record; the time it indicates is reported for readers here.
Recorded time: 11:18
